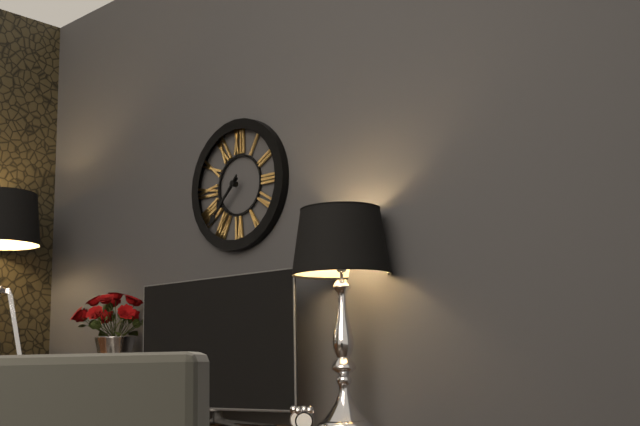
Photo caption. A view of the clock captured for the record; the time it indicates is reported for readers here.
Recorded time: 7:37
